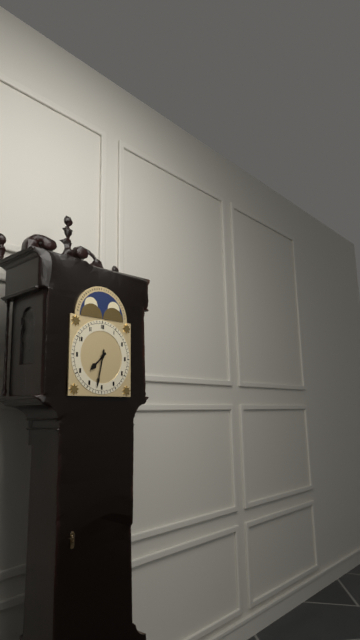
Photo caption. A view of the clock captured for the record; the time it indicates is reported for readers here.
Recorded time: 7:32
